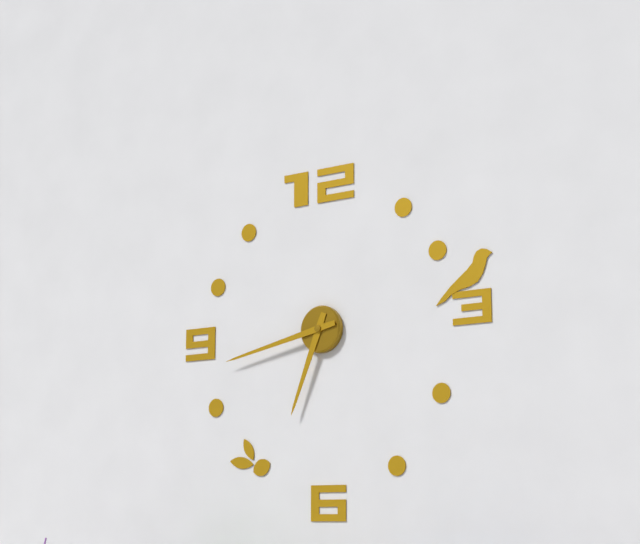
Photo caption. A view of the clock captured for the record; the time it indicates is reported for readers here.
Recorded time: 6:43
